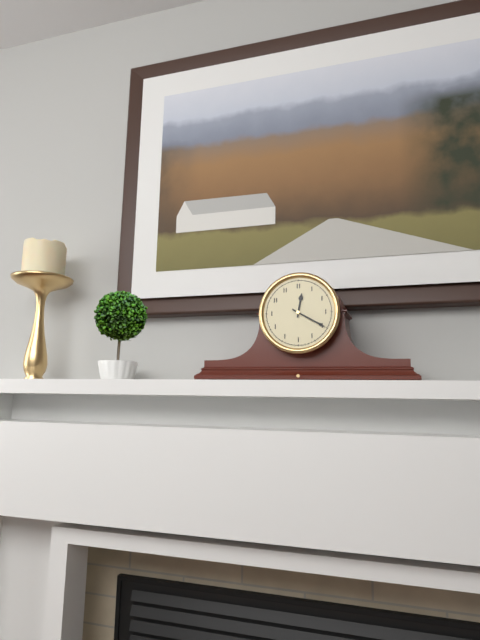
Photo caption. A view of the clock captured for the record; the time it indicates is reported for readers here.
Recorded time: 12:20
